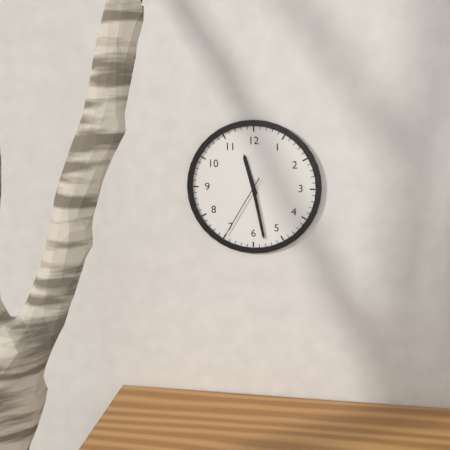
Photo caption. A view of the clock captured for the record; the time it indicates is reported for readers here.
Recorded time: 11:28:35
